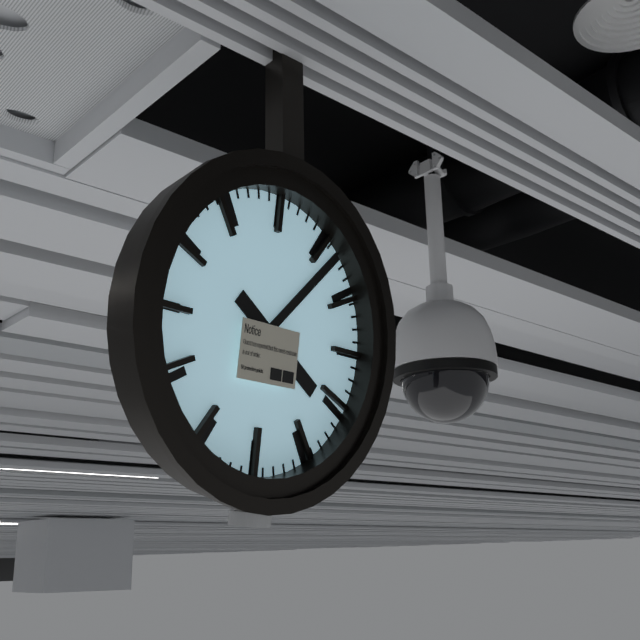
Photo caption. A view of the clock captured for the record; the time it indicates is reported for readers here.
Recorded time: 4:07
